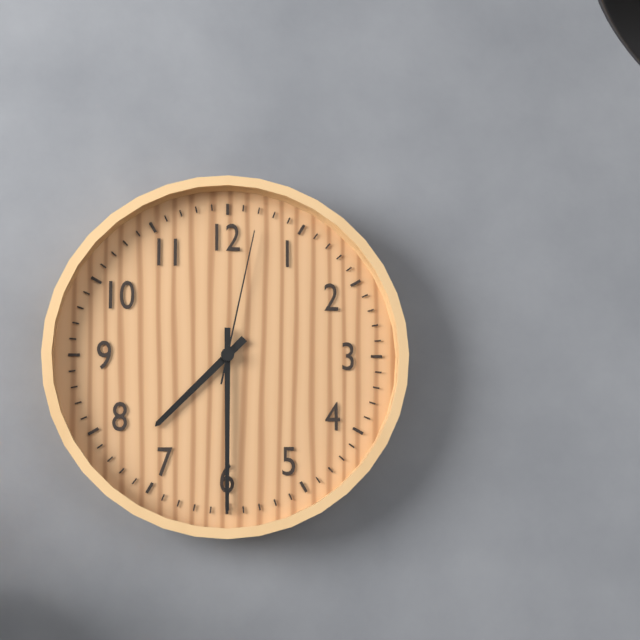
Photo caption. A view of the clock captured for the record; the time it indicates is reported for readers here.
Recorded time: 7:30:02
